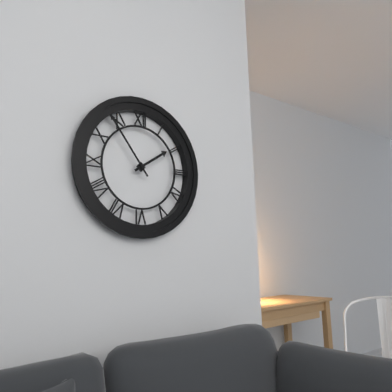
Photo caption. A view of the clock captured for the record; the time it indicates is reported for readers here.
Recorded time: 1:54
